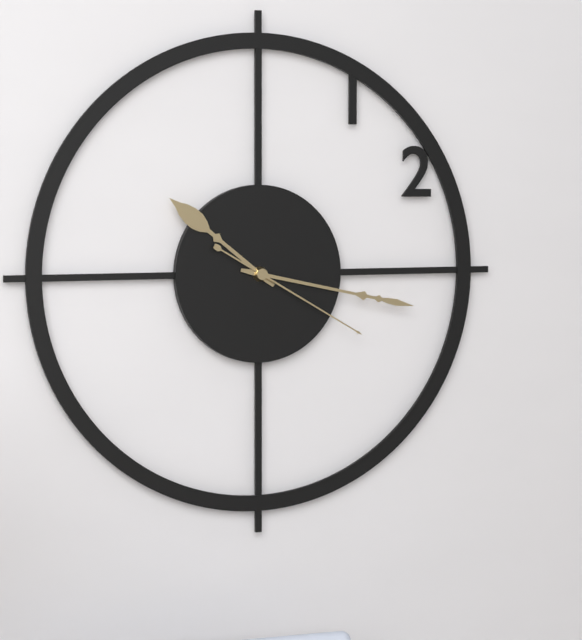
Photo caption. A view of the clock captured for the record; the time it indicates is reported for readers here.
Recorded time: 10:17:20
